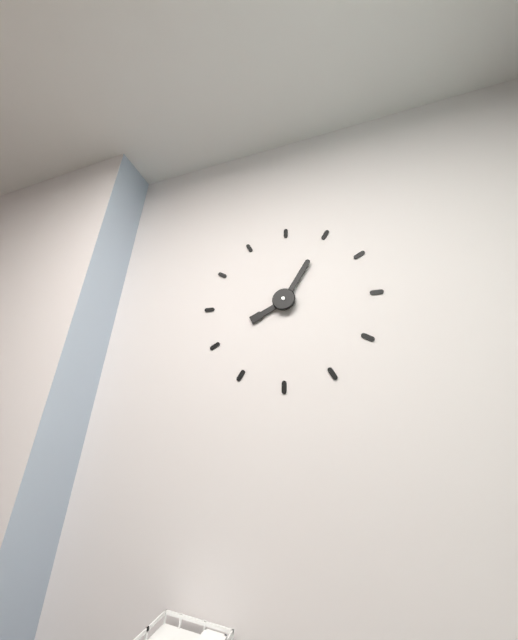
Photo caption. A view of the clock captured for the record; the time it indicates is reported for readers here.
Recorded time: 8:05
